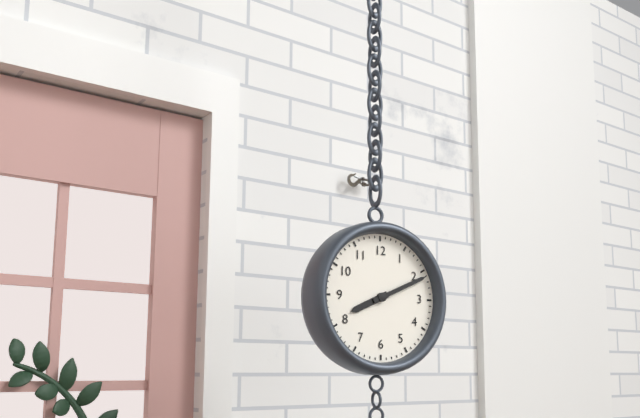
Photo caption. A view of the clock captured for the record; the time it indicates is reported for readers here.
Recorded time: 8:11
